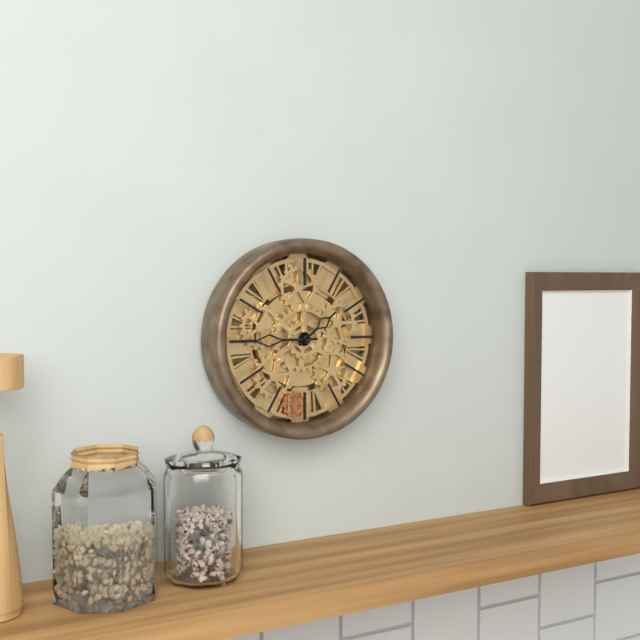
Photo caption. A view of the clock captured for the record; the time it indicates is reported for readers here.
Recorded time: 1:45
